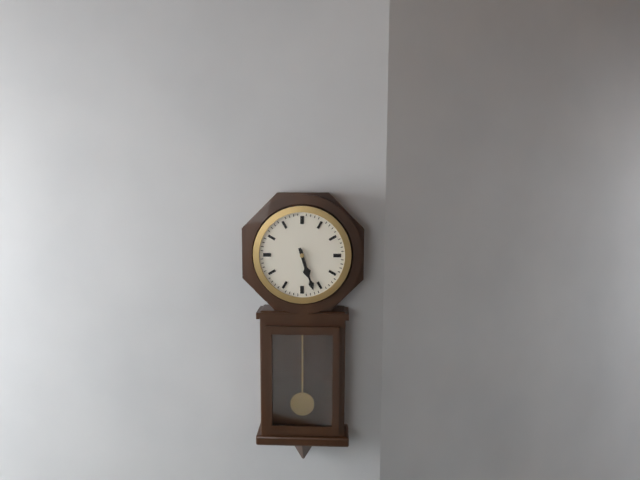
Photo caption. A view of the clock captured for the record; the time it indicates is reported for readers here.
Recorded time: 5:27
